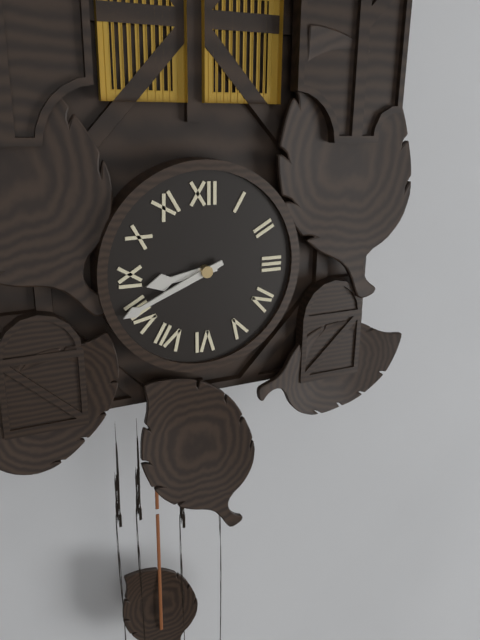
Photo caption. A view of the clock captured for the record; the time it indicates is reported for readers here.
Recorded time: 8:41
